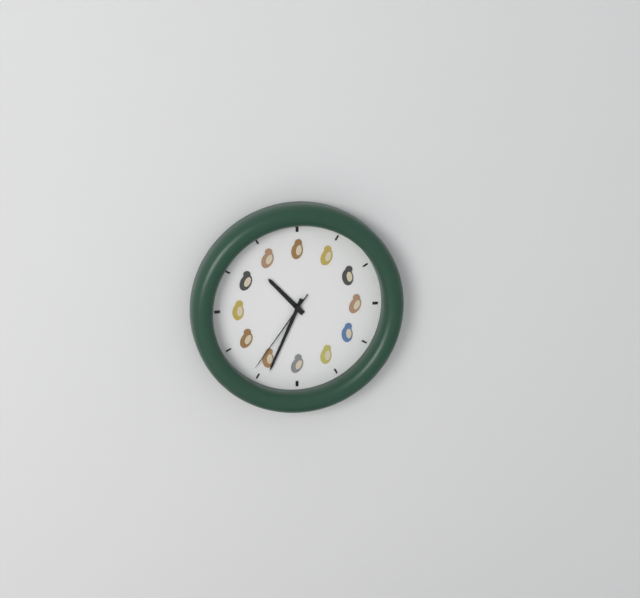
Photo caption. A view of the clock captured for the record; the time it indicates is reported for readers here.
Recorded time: 10:34:36
